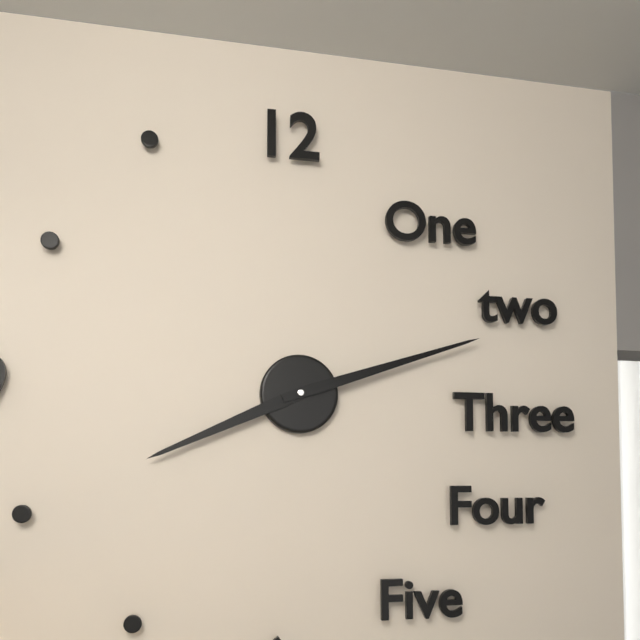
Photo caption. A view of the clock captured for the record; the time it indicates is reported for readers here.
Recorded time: 8:12
